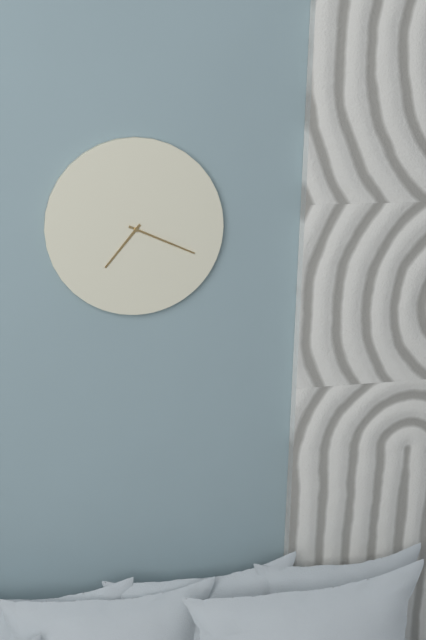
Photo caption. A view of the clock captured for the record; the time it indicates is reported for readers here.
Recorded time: 7:19
